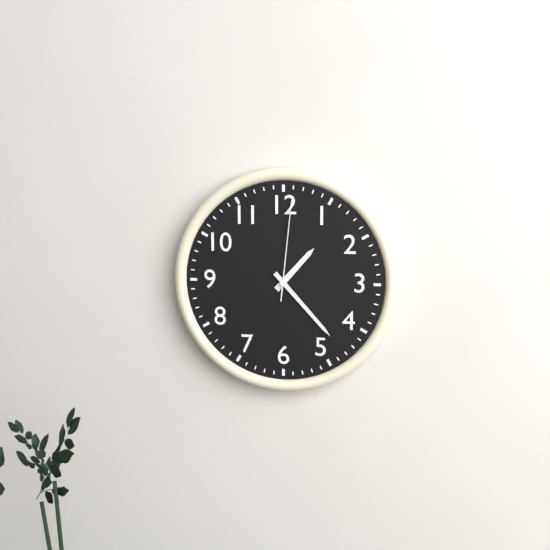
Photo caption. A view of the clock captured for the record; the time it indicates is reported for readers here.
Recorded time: 1:23:01
